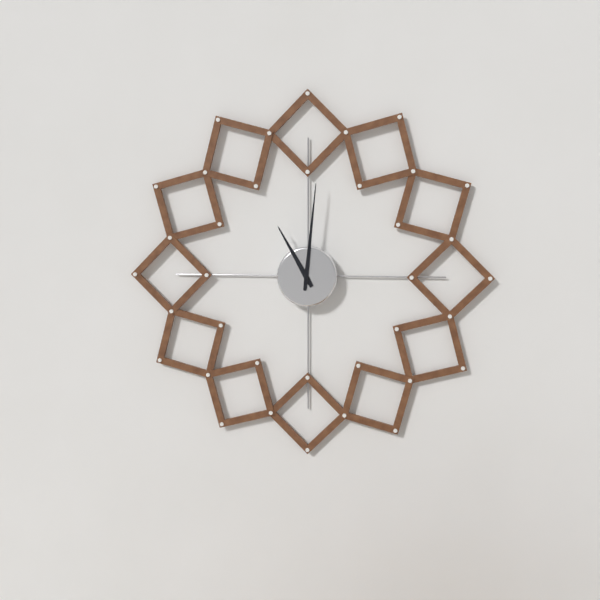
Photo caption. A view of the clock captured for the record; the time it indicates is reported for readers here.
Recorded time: 11:01
